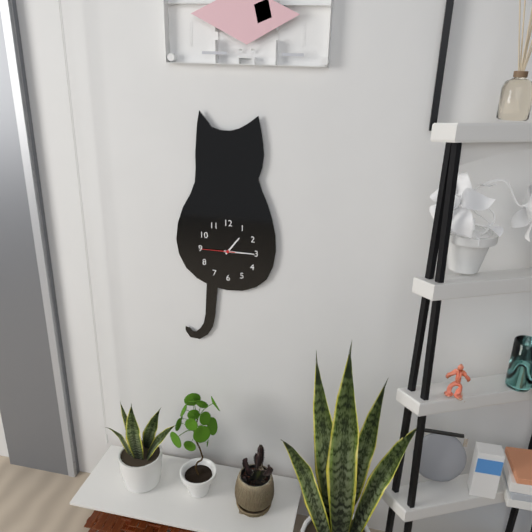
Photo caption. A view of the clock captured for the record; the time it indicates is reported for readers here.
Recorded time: 1:15
